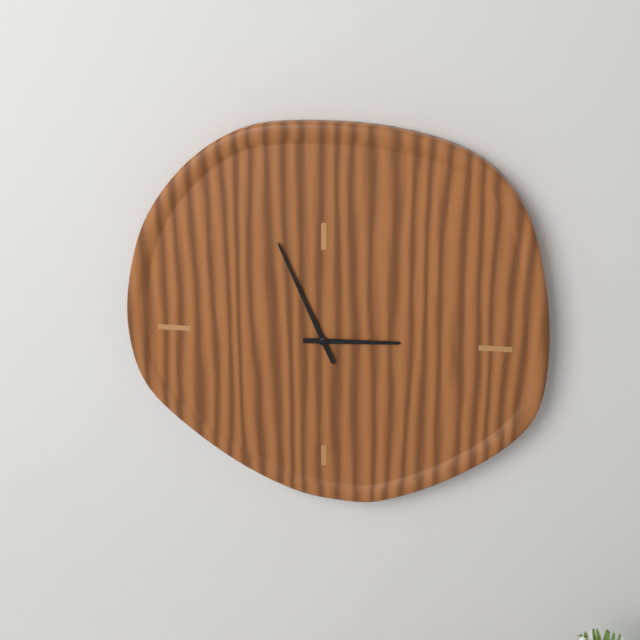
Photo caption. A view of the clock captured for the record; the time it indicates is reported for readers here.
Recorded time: 2:56
